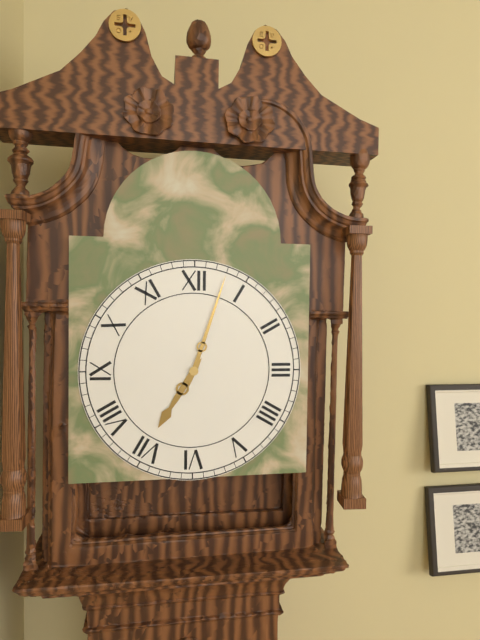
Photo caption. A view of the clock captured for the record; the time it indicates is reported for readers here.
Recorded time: 7:03
